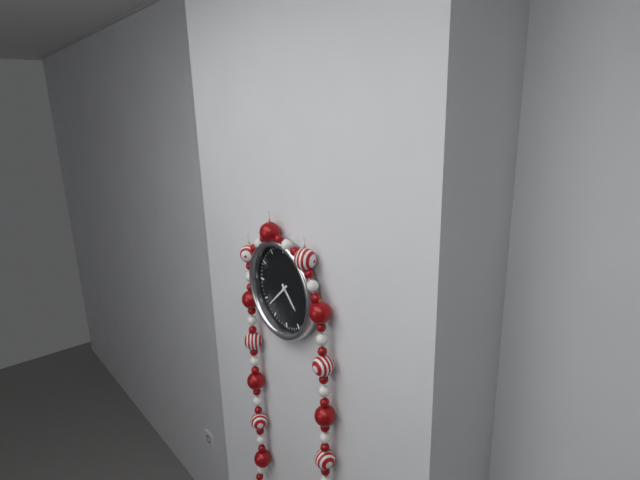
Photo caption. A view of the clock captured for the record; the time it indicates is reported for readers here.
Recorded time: 4:38
